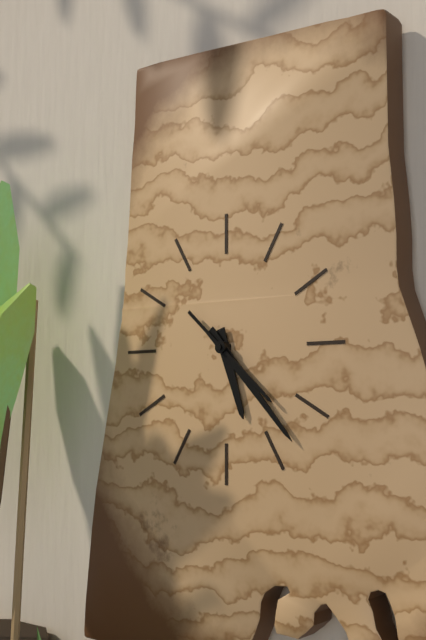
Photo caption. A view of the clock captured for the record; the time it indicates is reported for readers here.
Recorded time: 5:23:22
